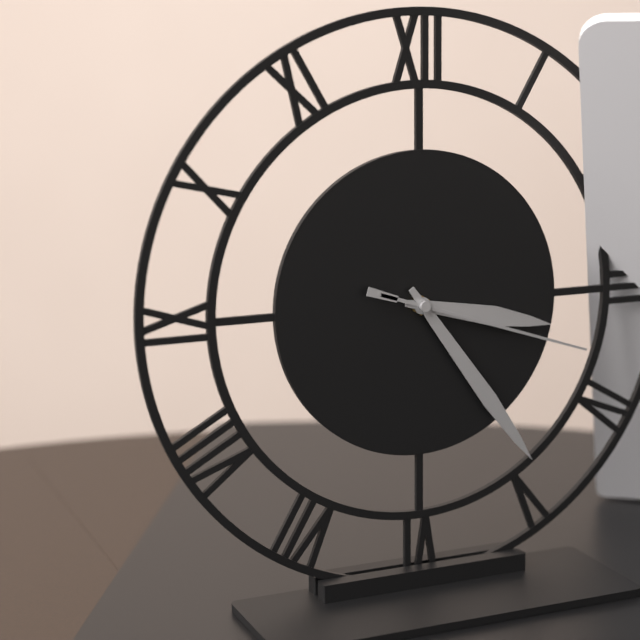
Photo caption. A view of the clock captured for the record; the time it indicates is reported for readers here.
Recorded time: 3:24:18
